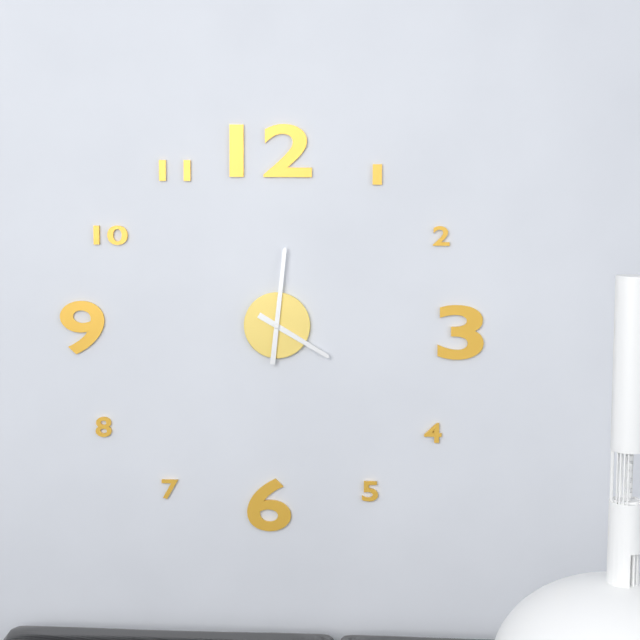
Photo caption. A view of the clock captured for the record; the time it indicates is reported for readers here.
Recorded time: 4:01
